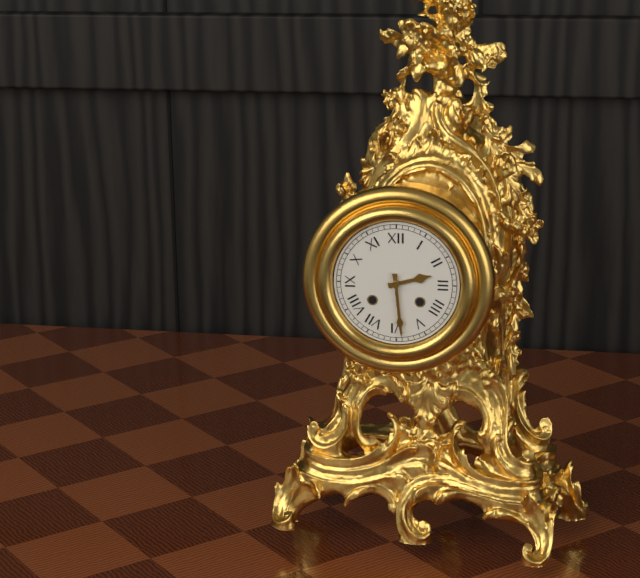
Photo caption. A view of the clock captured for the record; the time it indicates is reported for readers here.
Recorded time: 2:29
